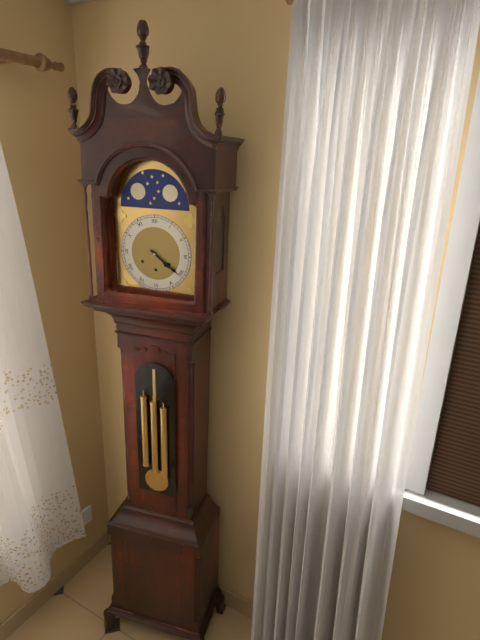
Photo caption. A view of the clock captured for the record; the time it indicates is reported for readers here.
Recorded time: 4:21
